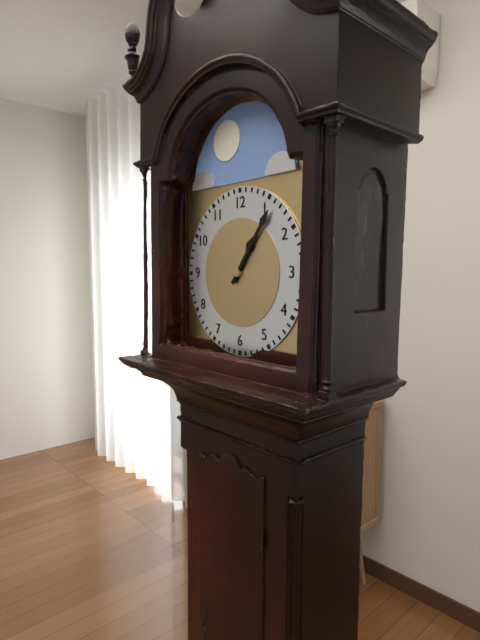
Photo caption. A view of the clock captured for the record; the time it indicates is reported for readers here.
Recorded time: 1:06
